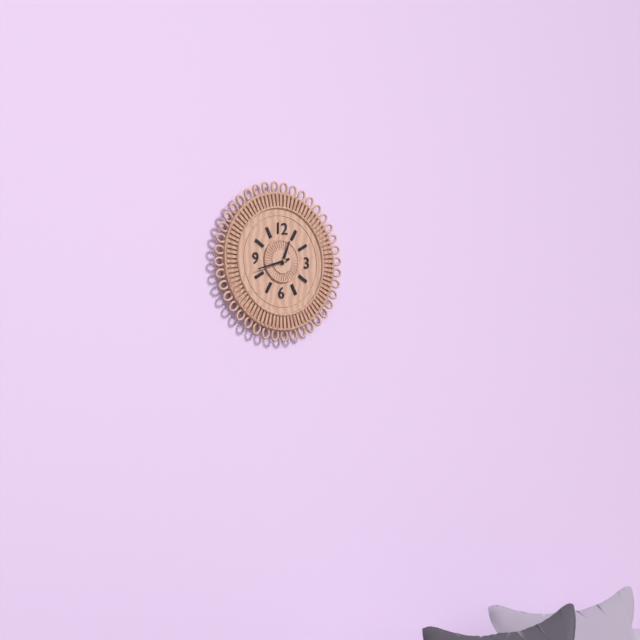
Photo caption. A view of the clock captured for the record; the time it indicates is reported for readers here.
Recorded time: 12:42
